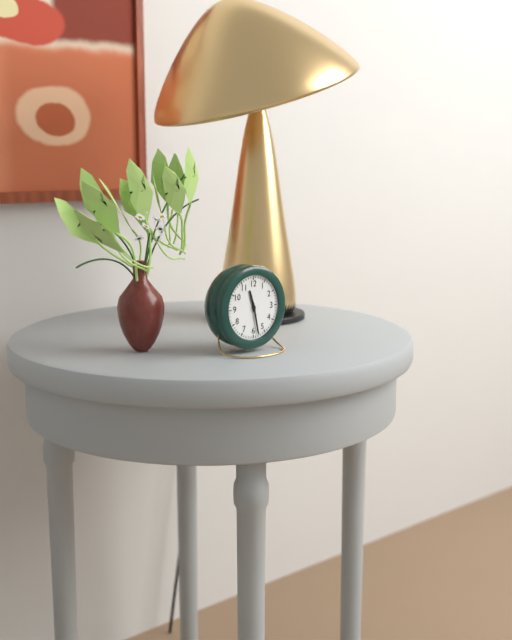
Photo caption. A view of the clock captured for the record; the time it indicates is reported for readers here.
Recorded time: 11:28
